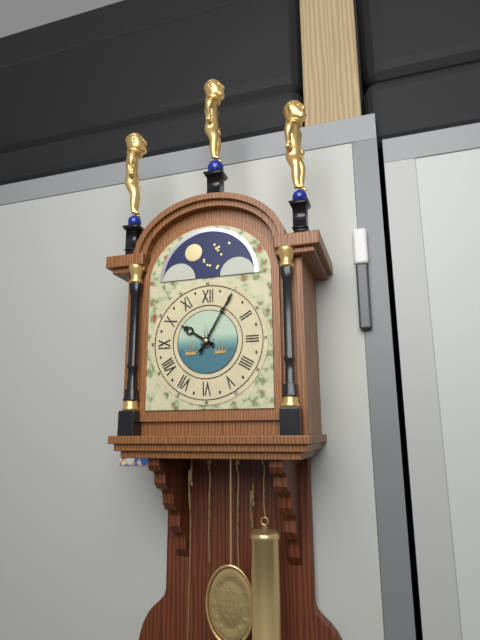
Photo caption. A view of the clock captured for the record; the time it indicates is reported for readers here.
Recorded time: 10:05
